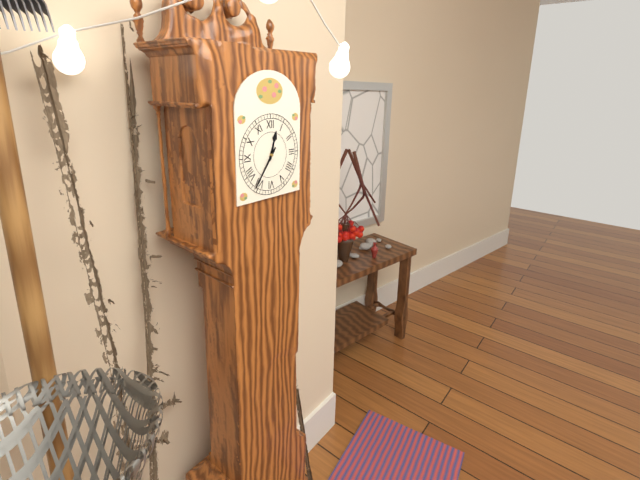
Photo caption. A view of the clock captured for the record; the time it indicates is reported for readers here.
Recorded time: 12:36
